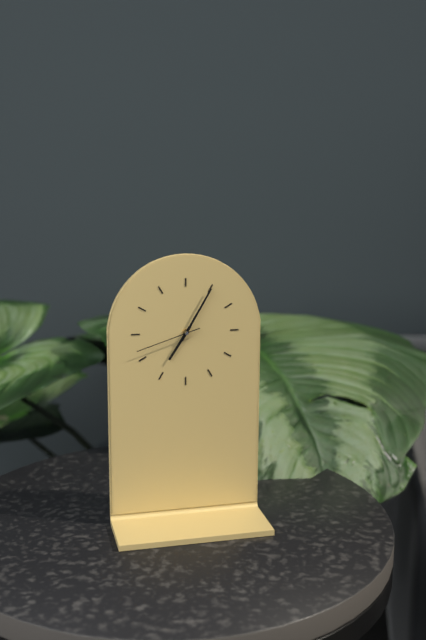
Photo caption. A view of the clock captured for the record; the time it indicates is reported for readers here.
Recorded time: 7:05:42
